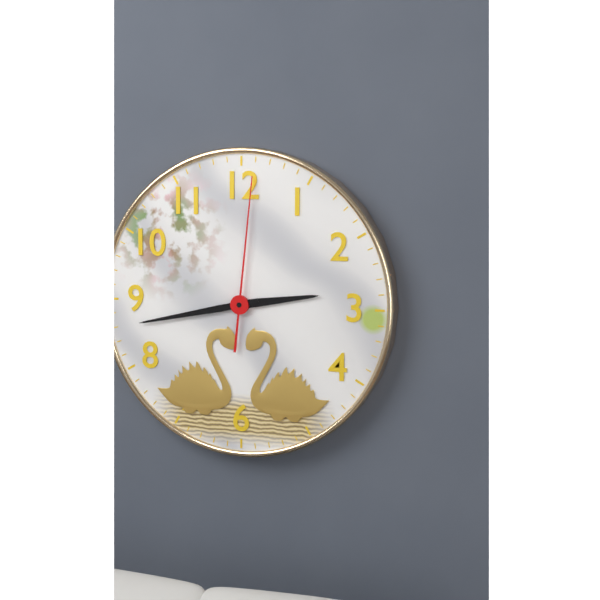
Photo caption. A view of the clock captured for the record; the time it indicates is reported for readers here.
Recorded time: 2:43:01
